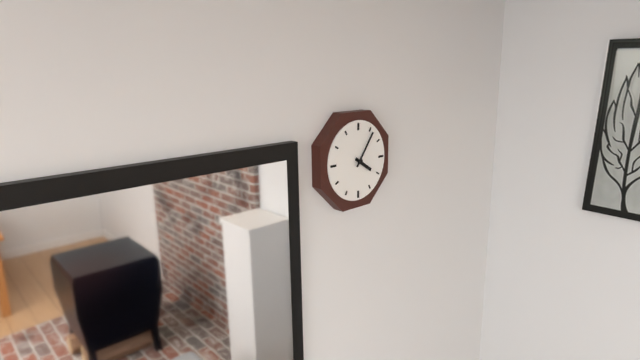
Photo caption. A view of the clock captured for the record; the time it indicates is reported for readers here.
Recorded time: 4:06
